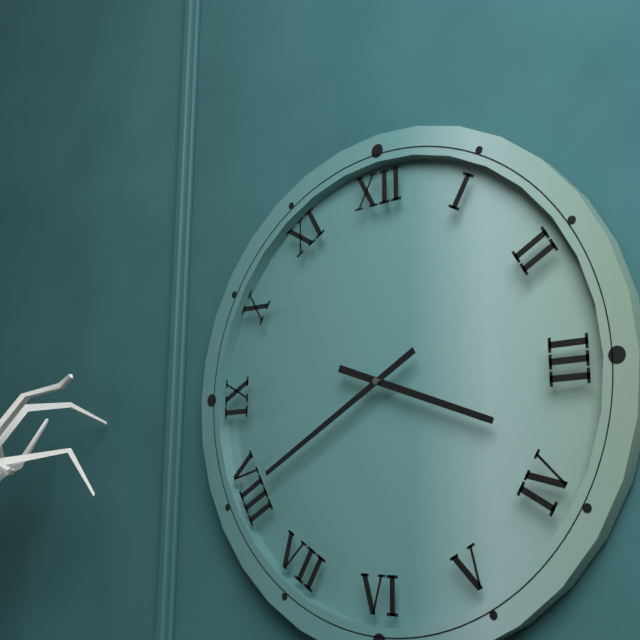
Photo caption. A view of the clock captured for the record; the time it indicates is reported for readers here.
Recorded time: 3:40
